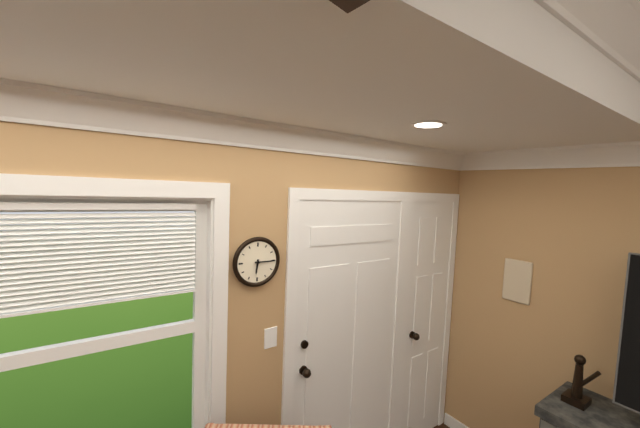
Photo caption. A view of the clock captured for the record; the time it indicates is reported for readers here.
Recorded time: 6:15
